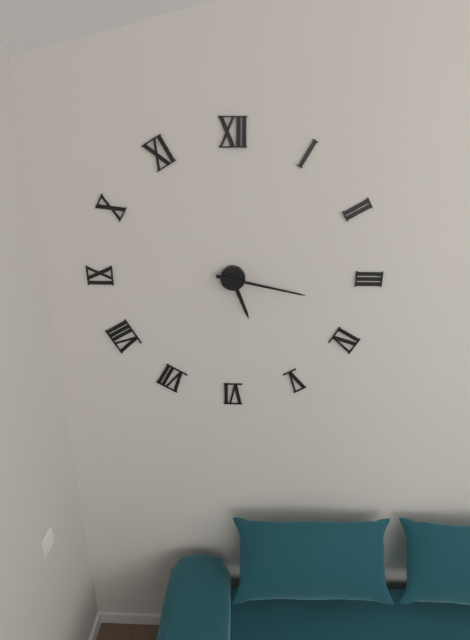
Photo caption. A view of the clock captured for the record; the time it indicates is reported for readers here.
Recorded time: 5:17
